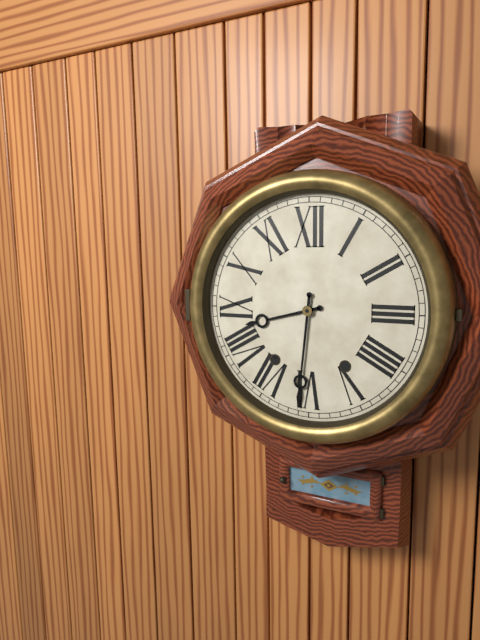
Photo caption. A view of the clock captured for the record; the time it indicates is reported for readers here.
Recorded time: 8:31
